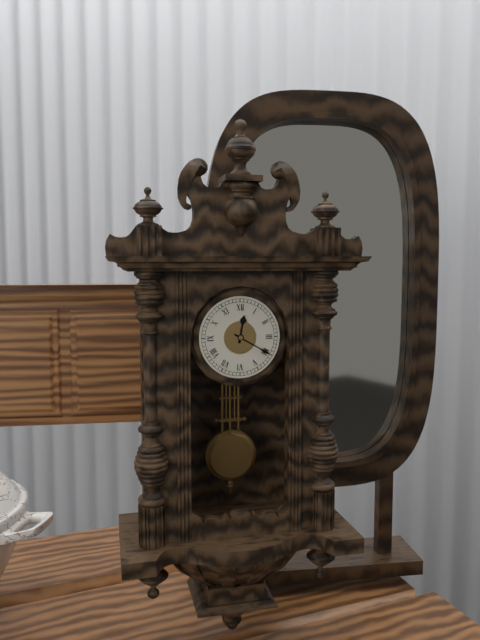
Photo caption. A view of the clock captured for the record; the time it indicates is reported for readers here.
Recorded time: 12:20
